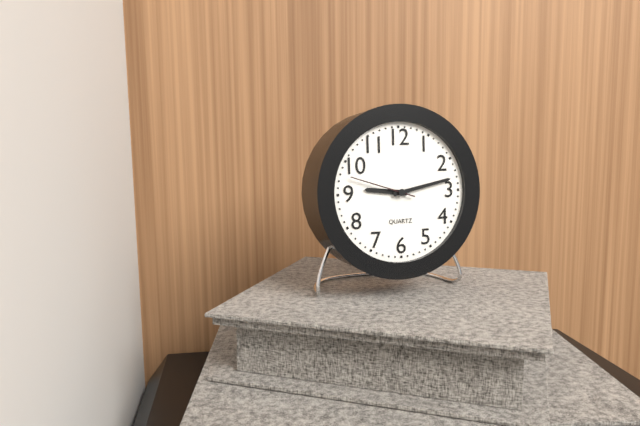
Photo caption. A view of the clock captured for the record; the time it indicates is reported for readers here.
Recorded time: 9:13:48
